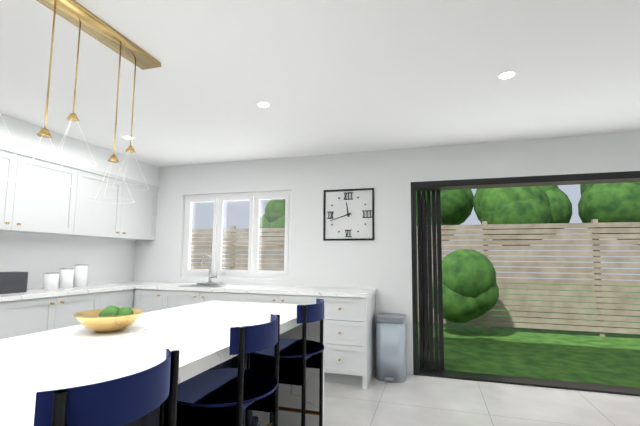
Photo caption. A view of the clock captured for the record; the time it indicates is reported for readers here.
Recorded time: 11:42
